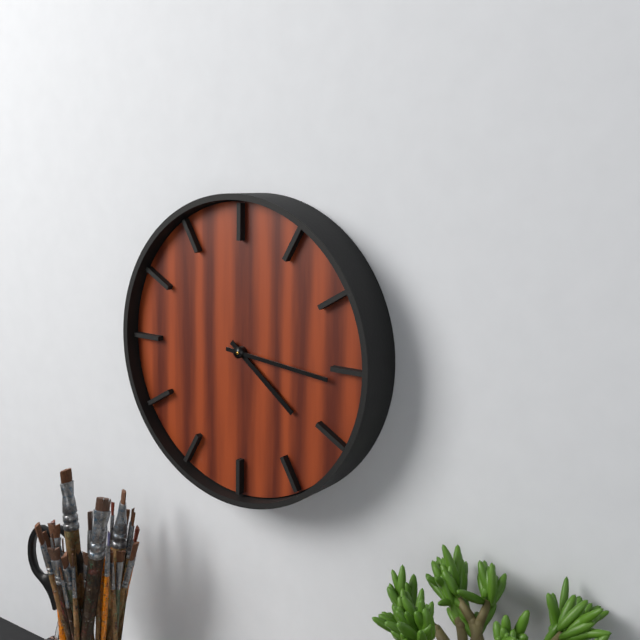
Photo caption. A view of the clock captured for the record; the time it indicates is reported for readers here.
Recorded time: 4:16
